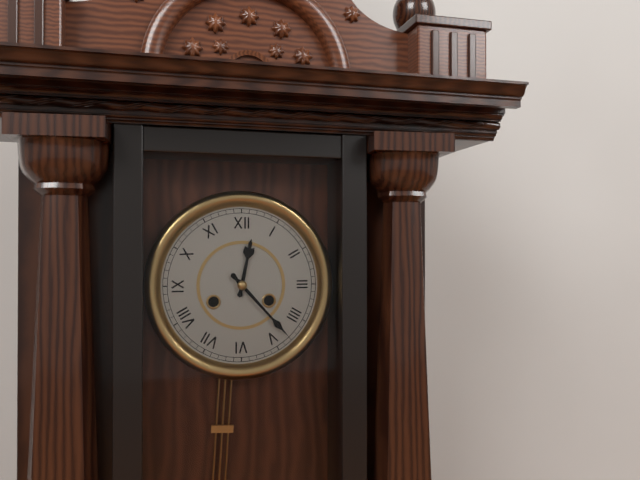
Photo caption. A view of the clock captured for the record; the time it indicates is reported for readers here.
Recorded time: 12:23
